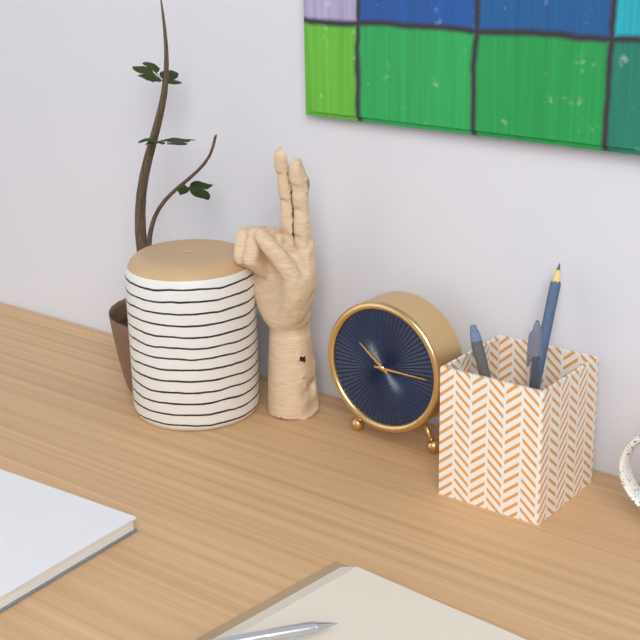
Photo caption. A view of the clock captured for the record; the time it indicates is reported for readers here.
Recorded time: 10:15
